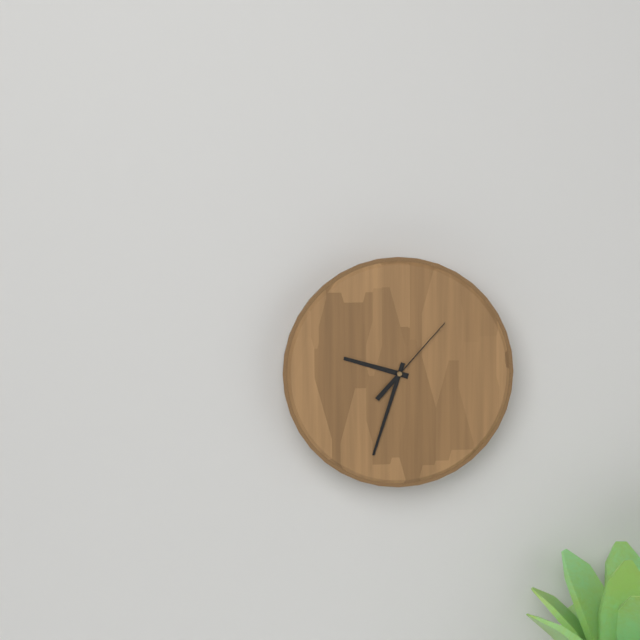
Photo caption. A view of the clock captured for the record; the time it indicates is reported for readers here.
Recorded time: 9:33:07
